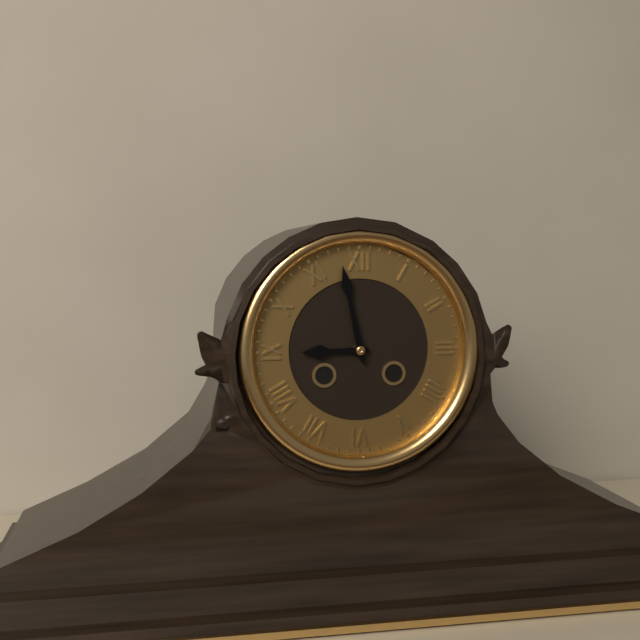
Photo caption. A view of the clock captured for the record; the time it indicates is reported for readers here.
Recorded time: 8:58
